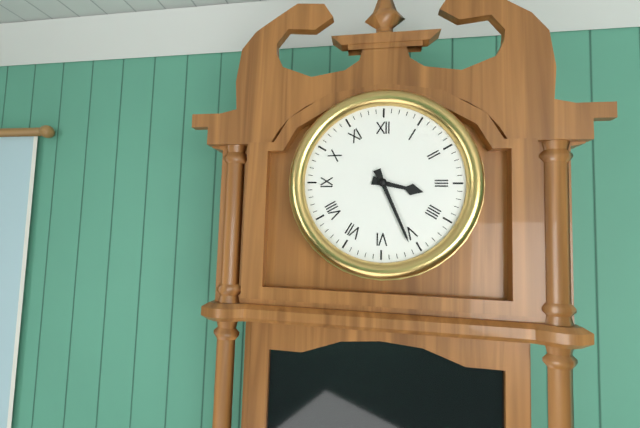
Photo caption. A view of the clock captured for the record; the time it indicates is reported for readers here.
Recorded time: 3:26
